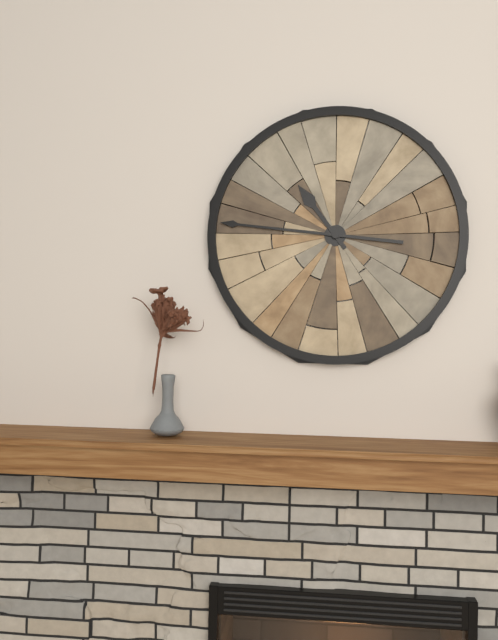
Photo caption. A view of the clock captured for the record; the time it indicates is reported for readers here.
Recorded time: 10:46
